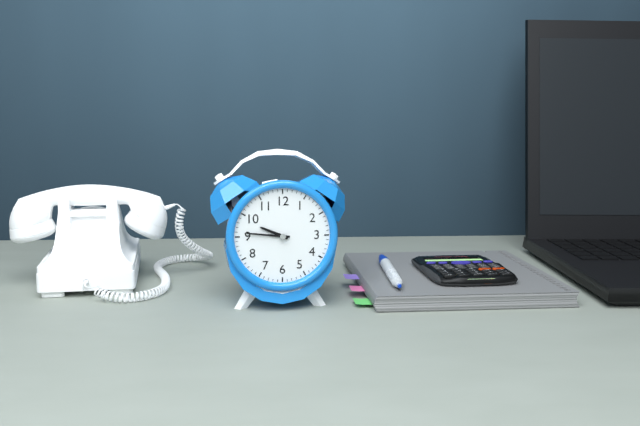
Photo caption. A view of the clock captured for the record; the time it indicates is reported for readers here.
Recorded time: 9:46
